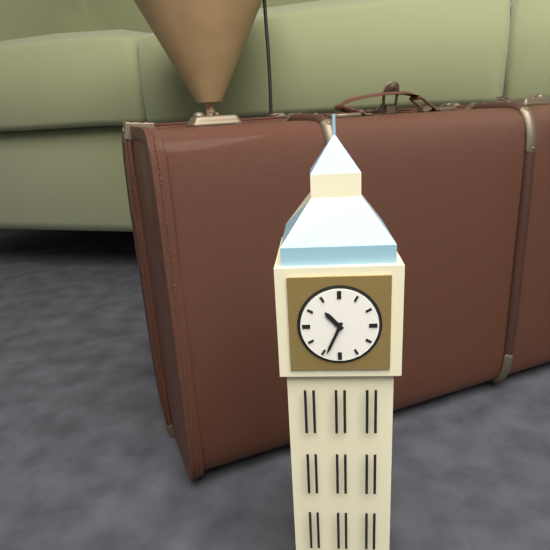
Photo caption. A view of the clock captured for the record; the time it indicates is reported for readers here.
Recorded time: 10:34
